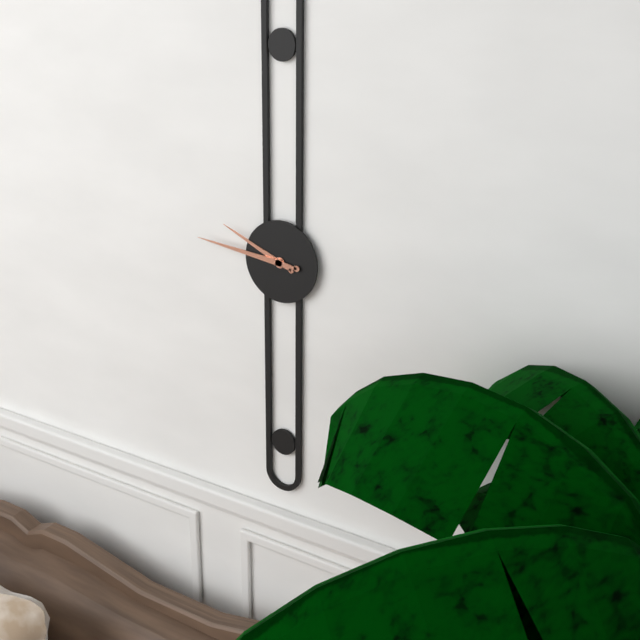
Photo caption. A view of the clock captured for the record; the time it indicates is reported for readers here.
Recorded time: 9:46
